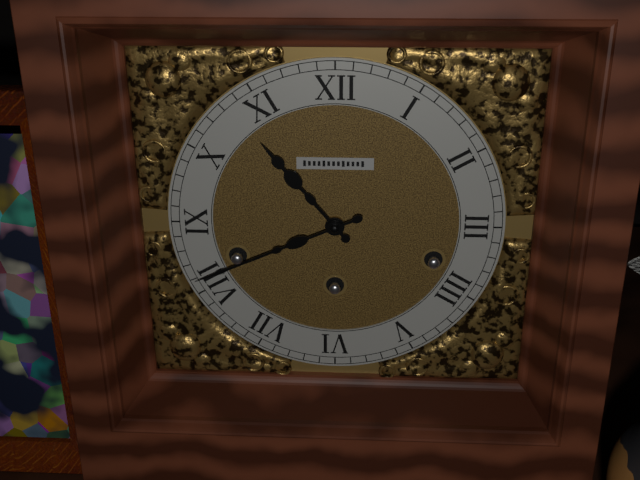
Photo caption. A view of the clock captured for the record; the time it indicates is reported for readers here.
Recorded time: 10:41
